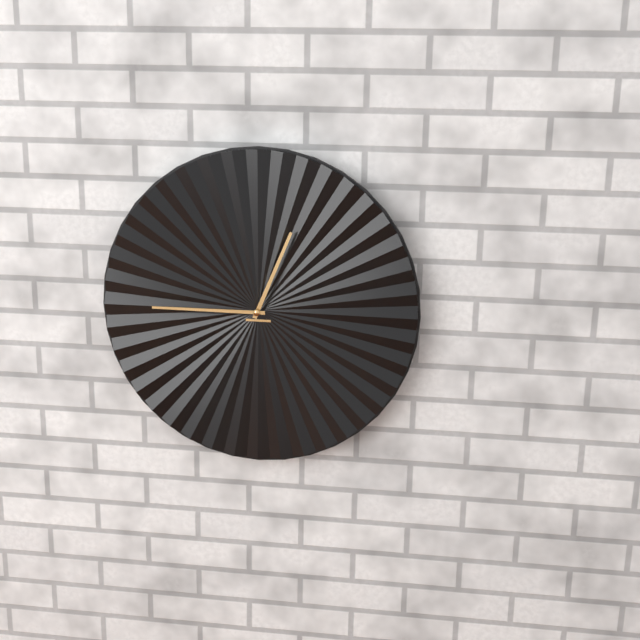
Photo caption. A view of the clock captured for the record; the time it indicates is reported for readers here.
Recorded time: 12:45
